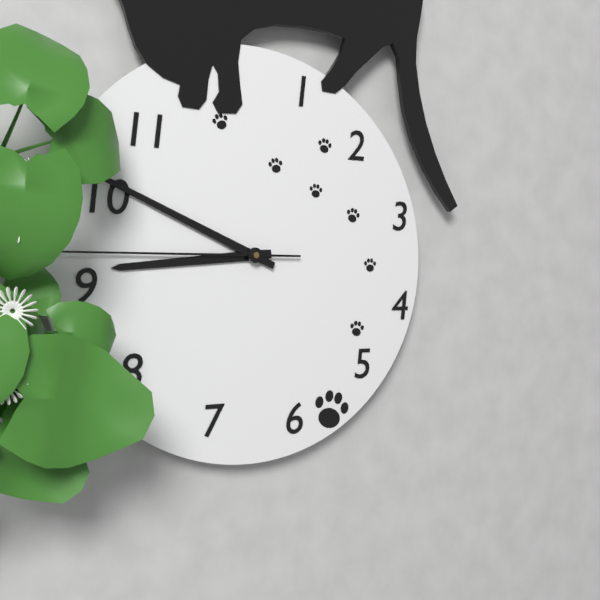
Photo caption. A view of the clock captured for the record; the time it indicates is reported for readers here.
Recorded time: 8:49:45
